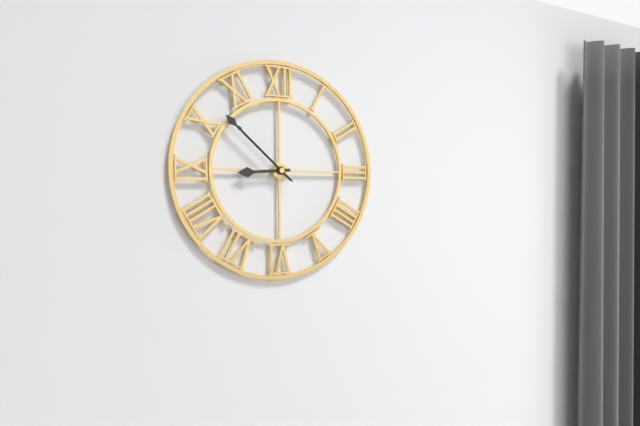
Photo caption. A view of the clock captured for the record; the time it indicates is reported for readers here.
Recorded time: 8:52:52
